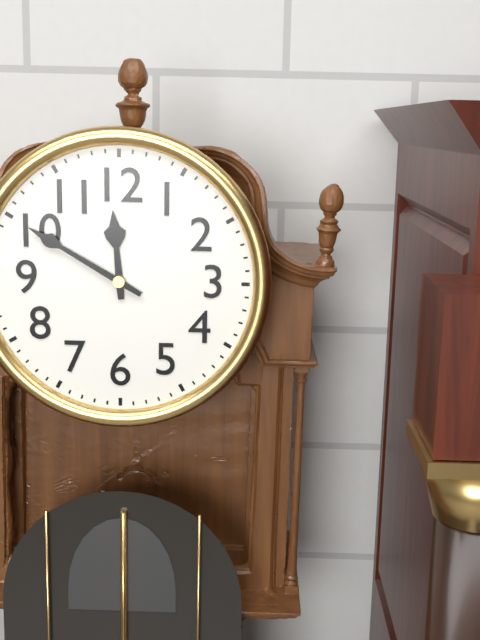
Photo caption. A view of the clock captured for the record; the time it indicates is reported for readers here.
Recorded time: 11:50
